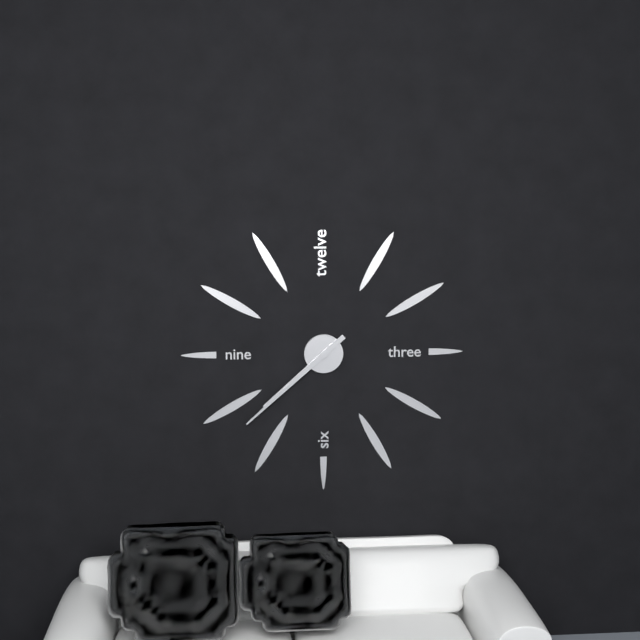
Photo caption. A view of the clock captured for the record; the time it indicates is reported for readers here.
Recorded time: 7:38
